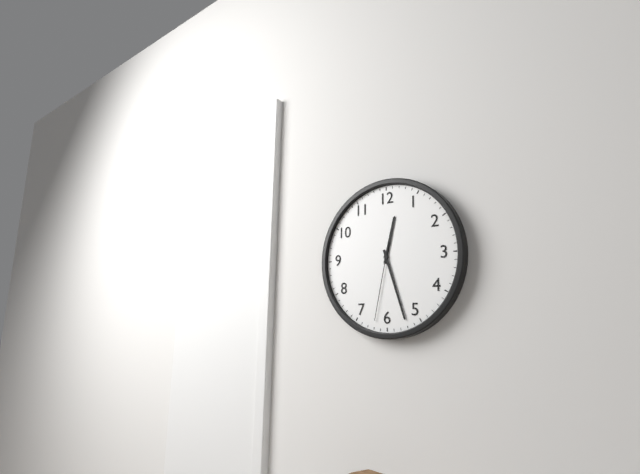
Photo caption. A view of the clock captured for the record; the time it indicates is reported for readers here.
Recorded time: 12:27:32
